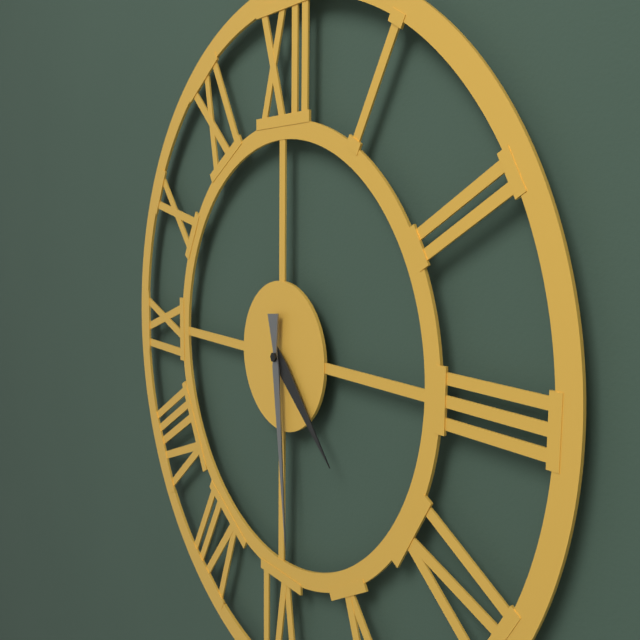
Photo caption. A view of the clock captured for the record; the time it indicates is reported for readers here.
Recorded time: 4:29
